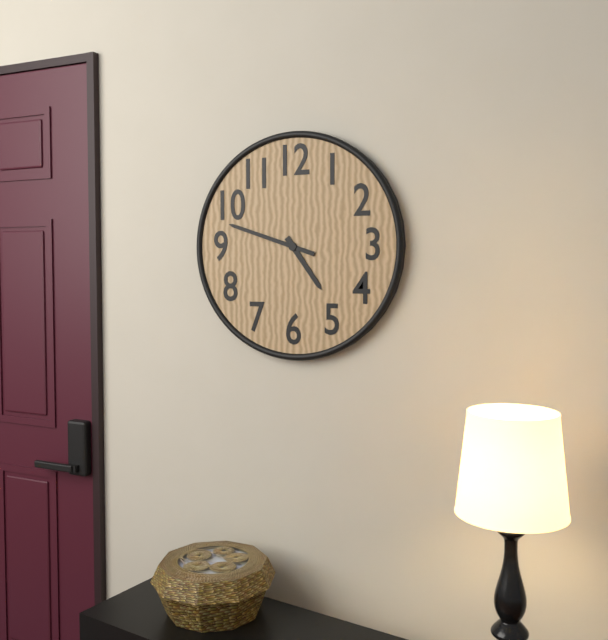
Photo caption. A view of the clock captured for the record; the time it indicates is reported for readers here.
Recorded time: 4:48
